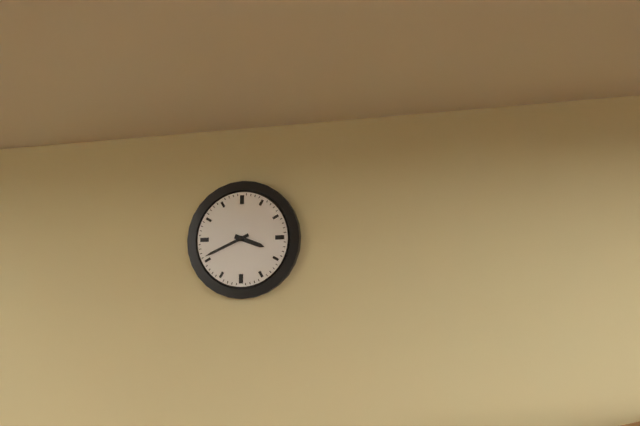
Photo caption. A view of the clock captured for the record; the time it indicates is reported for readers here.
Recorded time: 3:41
